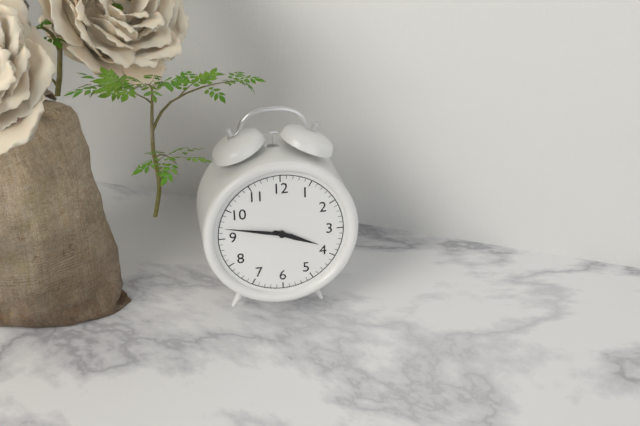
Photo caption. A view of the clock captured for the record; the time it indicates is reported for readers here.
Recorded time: 3:47
